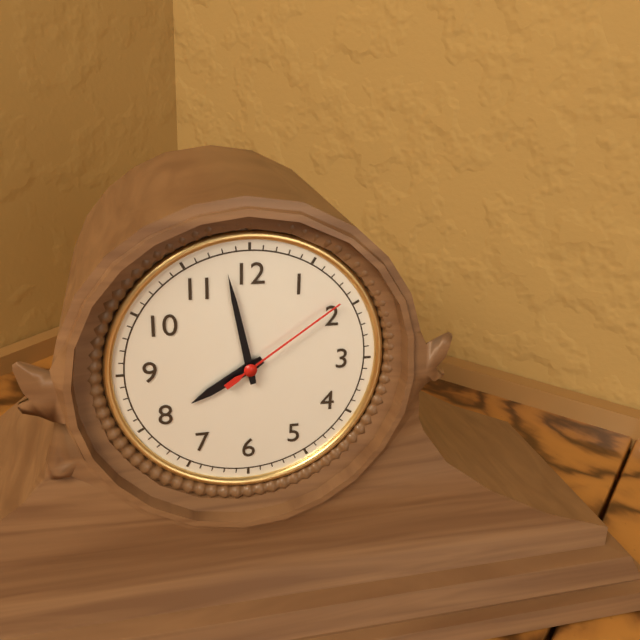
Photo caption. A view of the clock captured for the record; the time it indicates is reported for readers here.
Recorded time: 7:58:09
